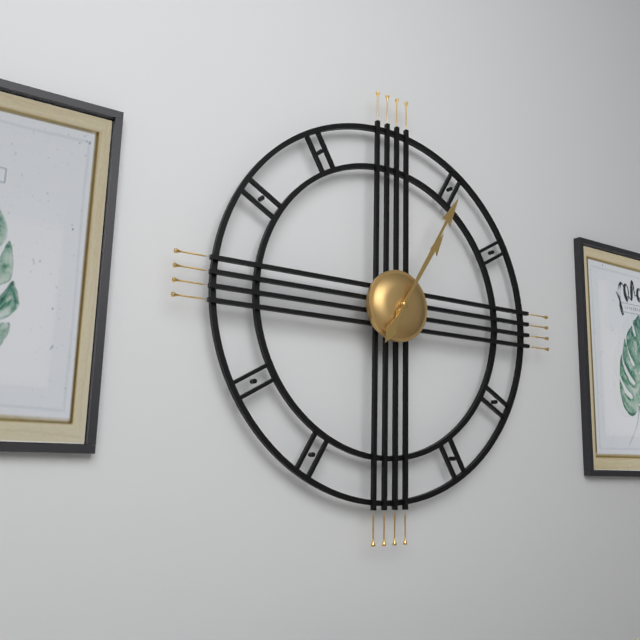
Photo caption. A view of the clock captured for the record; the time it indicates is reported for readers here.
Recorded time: 1:05
